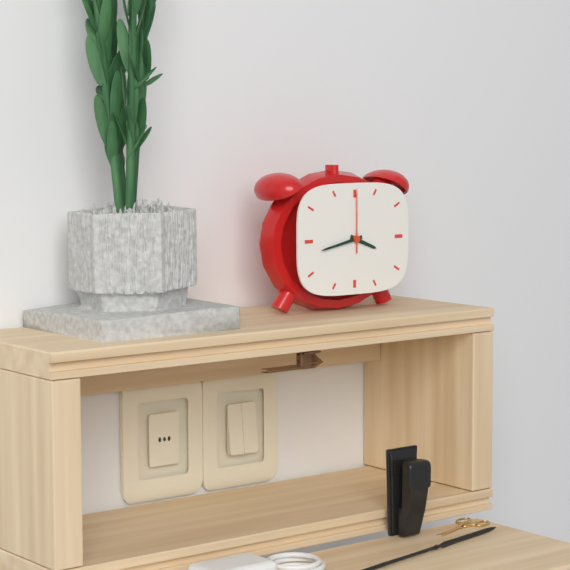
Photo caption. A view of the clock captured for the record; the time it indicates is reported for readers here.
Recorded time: 3:43:00
